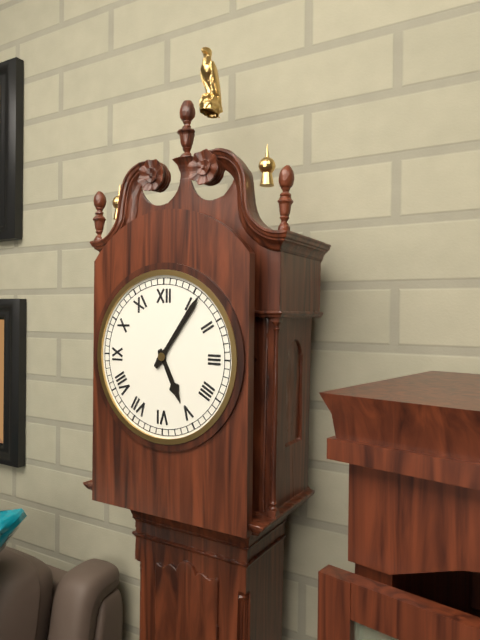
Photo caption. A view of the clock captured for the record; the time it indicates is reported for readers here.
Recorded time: 5:06
